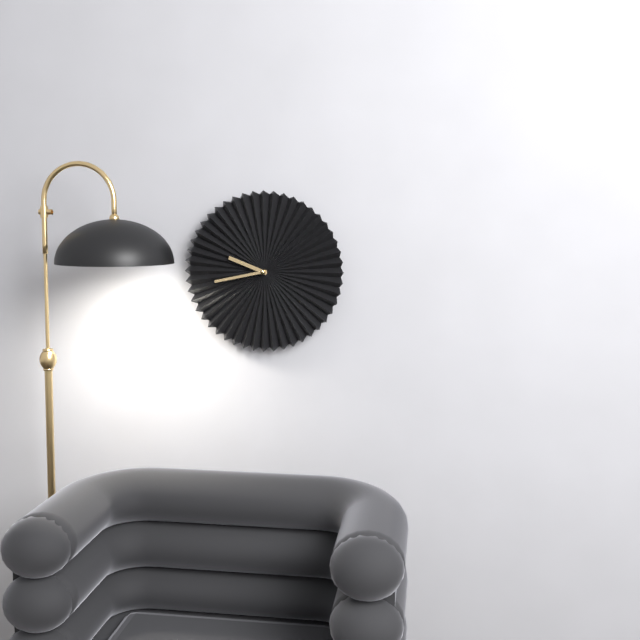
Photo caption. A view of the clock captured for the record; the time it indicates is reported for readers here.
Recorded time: 9:43
